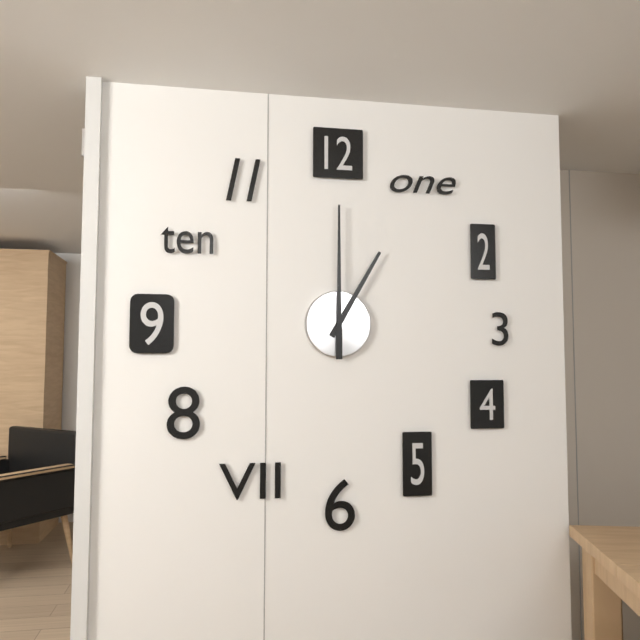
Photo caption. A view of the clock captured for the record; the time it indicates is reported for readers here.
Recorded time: 1:00
